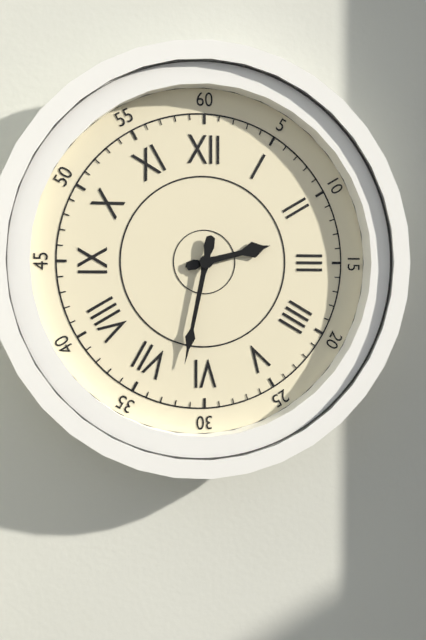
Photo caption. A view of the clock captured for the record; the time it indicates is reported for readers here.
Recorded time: 2:32
